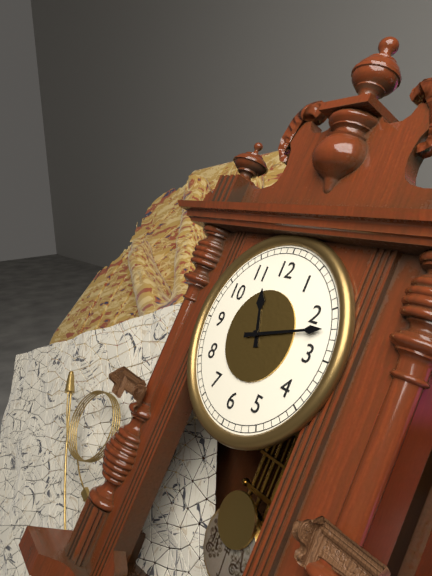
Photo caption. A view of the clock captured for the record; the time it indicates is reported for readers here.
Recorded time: 11:12
